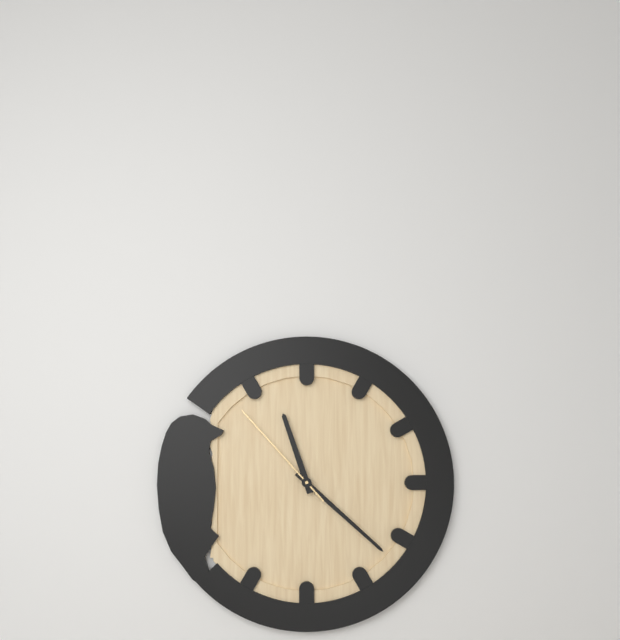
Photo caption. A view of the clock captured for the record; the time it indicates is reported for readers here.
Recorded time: 11:22:53
